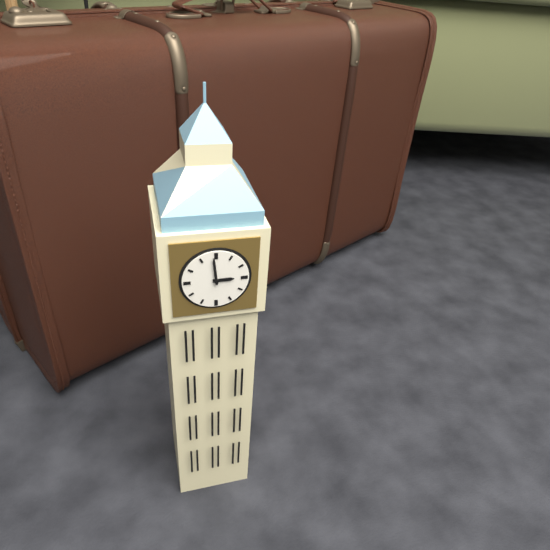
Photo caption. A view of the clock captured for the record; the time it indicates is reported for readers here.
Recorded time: 2:59
